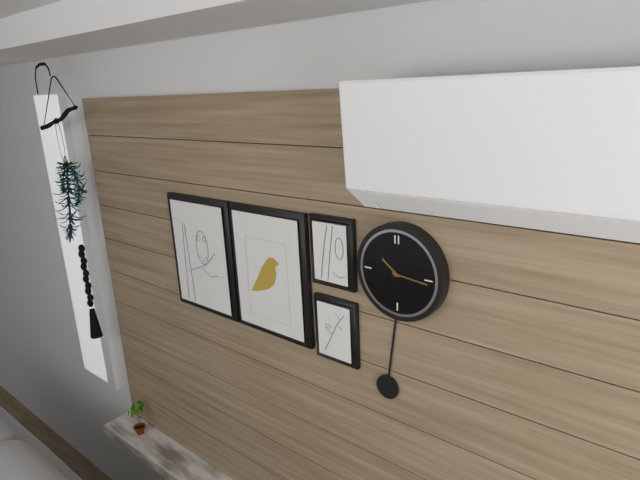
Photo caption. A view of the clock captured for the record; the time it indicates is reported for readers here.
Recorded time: 10:16
